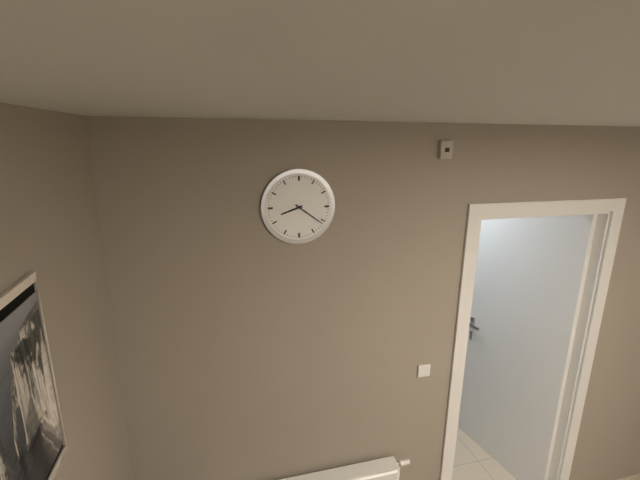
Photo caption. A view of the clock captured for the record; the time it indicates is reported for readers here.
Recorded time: 8:21
